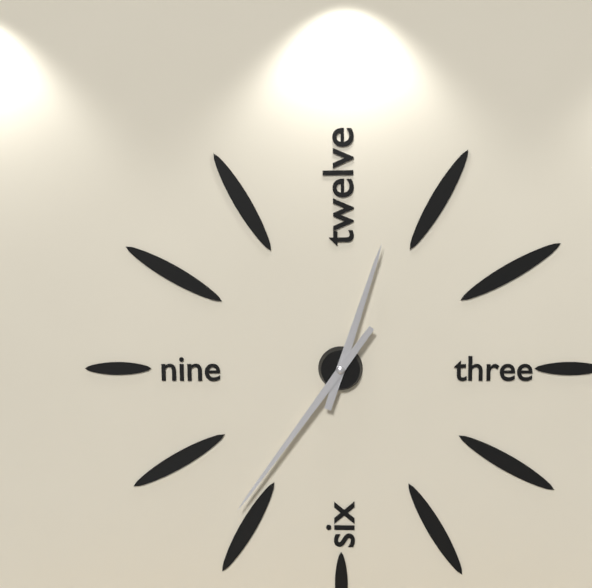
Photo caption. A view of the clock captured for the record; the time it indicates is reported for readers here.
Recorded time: 12:36
